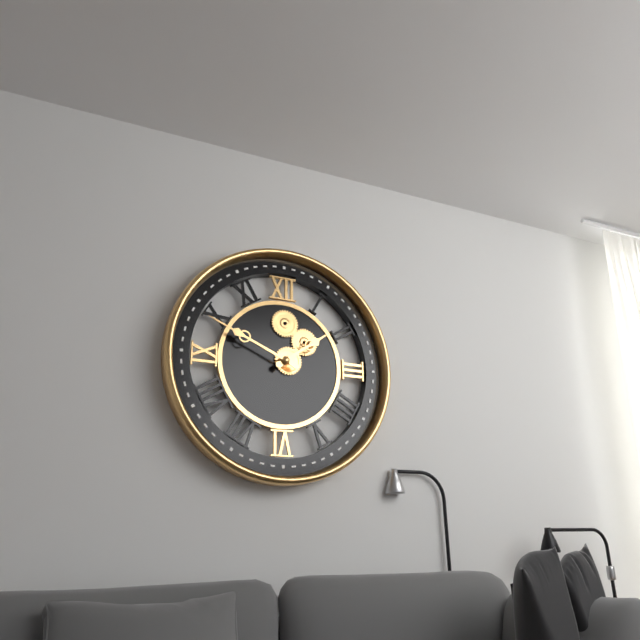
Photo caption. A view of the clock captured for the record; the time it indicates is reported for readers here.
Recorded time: 1:49
